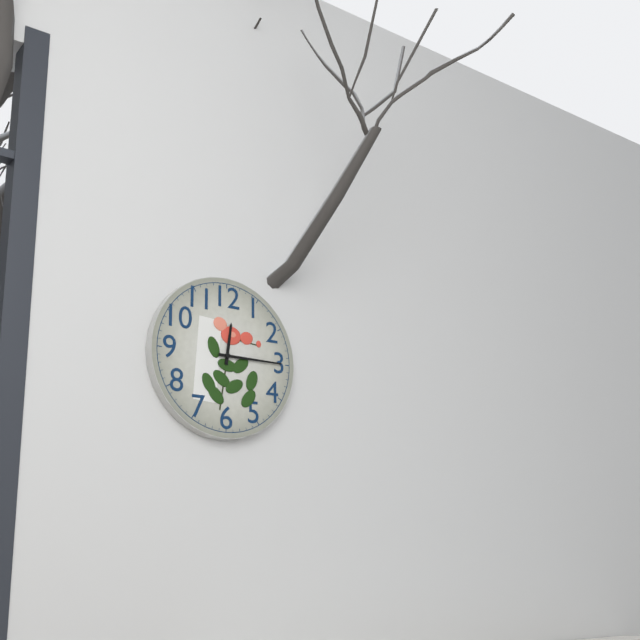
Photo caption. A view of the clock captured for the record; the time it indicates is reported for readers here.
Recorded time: 12:15
